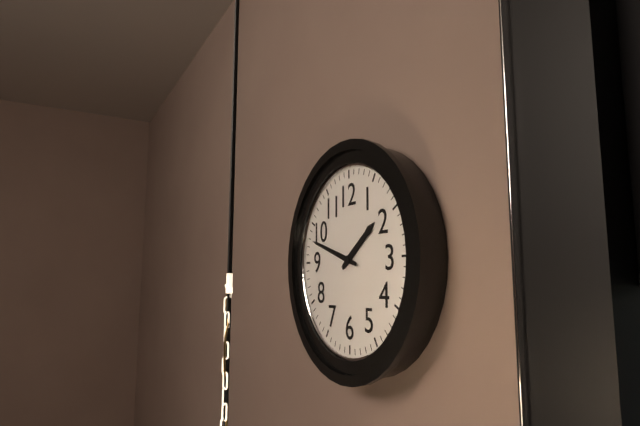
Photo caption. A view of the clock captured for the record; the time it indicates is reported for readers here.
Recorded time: 1:48
